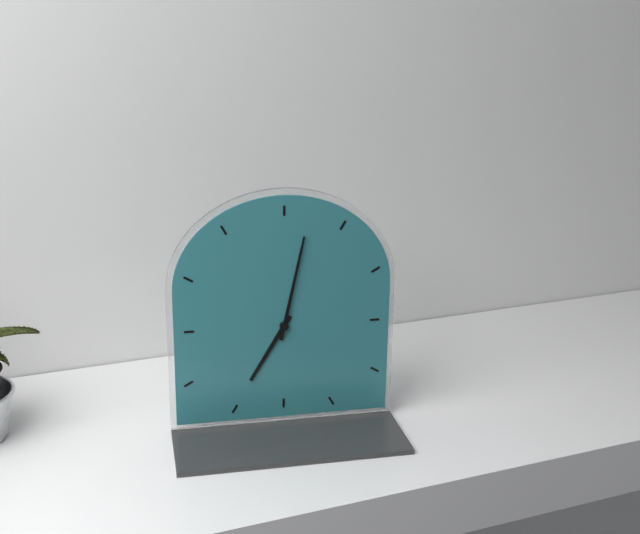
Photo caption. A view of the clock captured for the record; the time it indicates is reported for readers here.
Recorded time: 7:02
